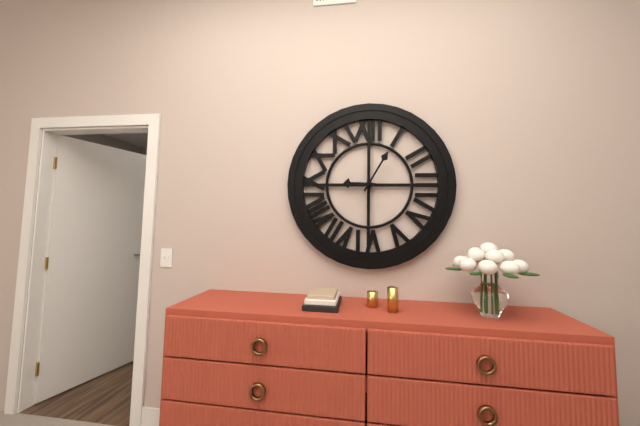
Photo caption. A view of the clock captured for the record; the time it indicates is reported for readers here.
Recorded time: 9:05
